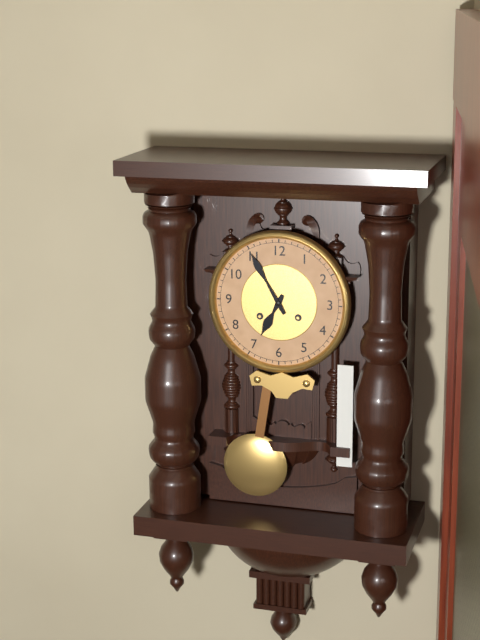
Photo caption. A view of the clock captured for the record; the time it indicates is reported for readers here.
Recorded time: 6:55
